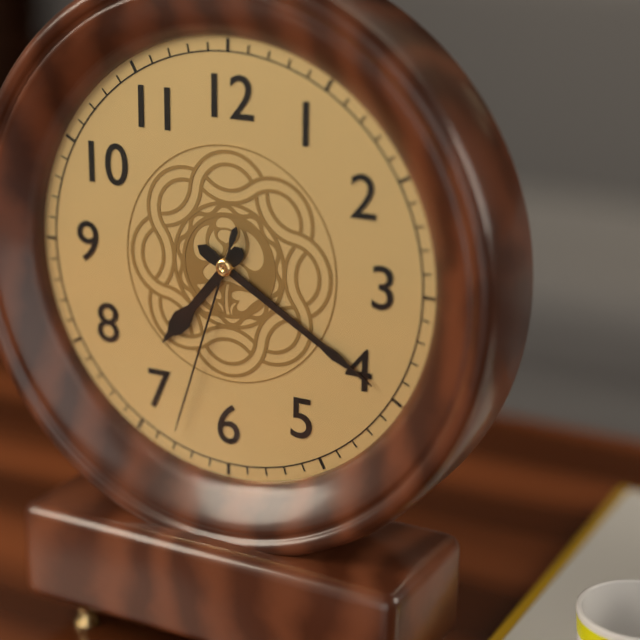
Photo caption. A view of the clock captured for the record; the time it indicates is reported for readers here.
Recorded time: 7:20:33
